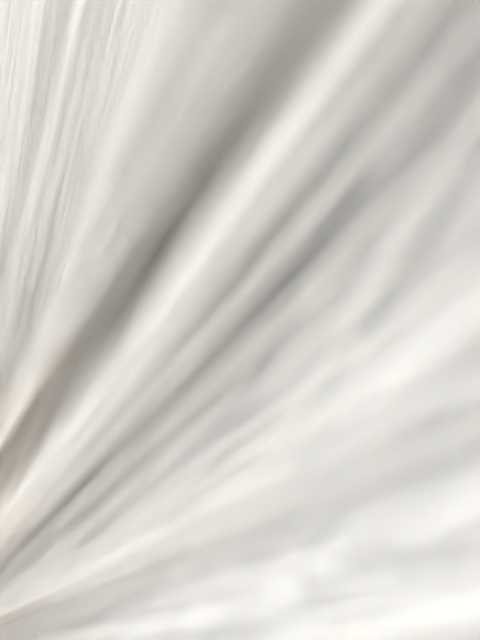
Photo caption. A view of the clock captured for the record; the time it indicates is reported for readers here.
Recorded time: 8:14
